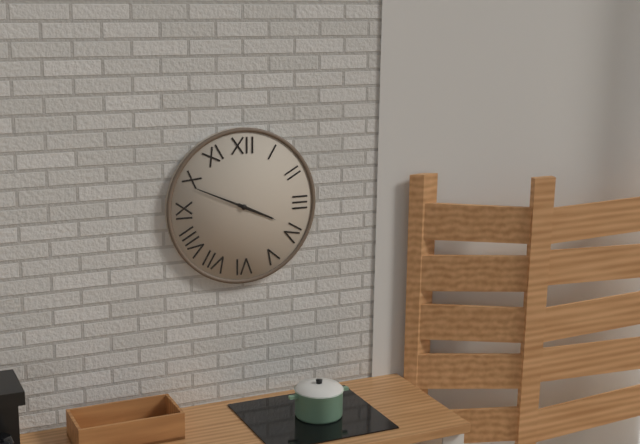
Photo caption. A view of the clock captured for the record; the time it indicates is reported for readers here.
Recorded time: 3:49
